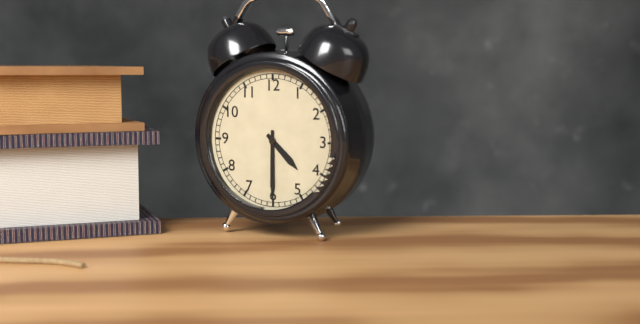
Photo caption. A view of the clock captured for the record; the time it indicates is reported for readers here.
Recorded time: 4:30
